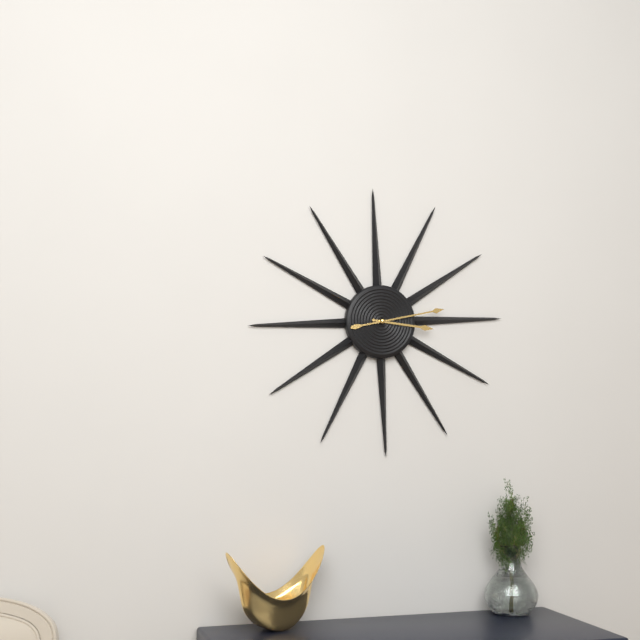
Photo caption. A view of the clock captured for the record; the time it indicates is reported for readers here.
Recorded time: 3:13
